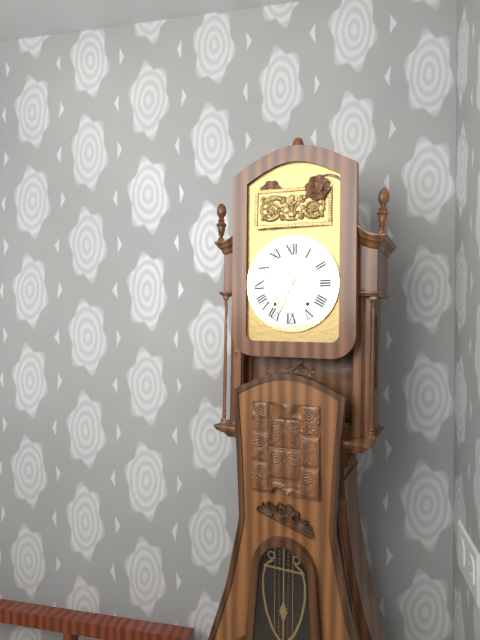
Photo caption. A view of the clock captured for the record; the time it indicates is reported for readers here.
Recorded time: 5:34
